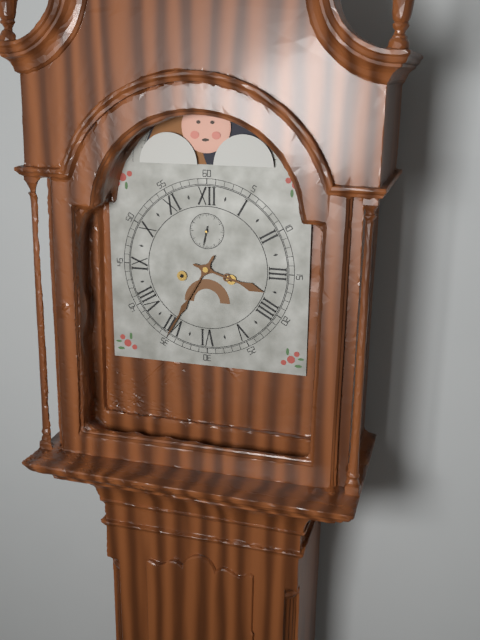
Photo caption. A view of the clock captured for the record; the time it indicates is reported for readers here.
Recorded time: 3:35
